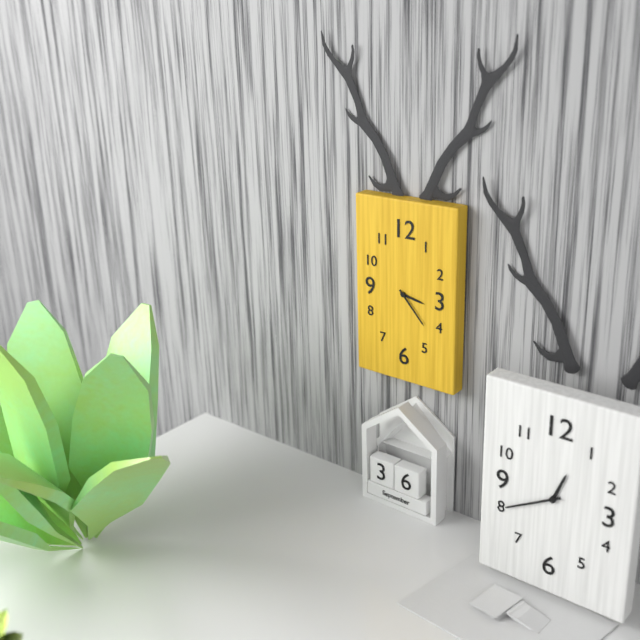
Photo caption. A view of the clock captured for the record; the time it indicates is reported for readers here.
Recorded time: 3:23
